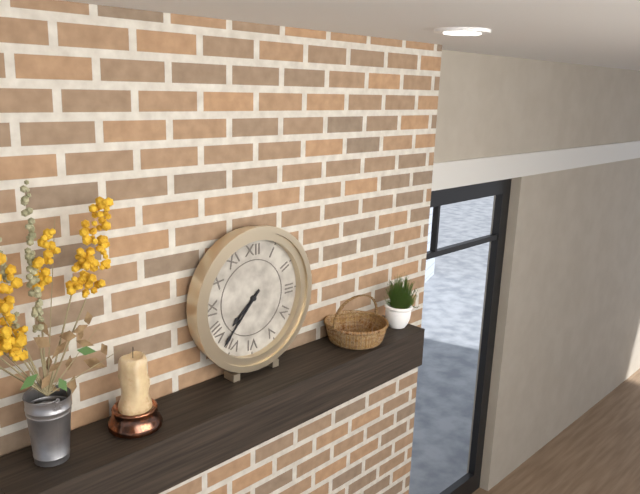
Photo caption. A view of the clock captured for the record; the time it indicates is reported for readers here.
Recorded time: 7:37
